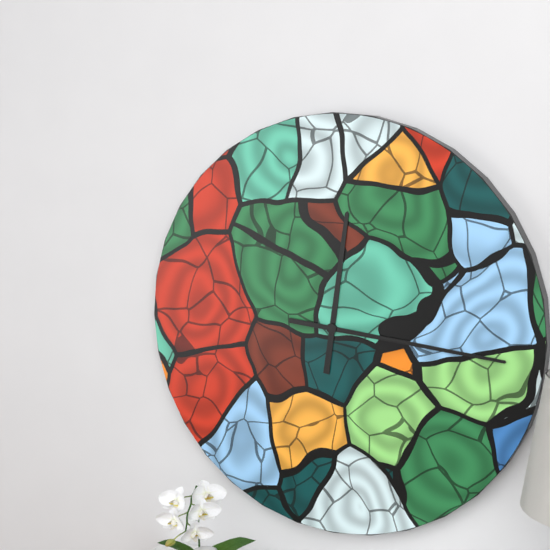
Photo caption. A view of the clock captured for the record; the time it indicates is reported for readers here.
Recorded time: 12:16
